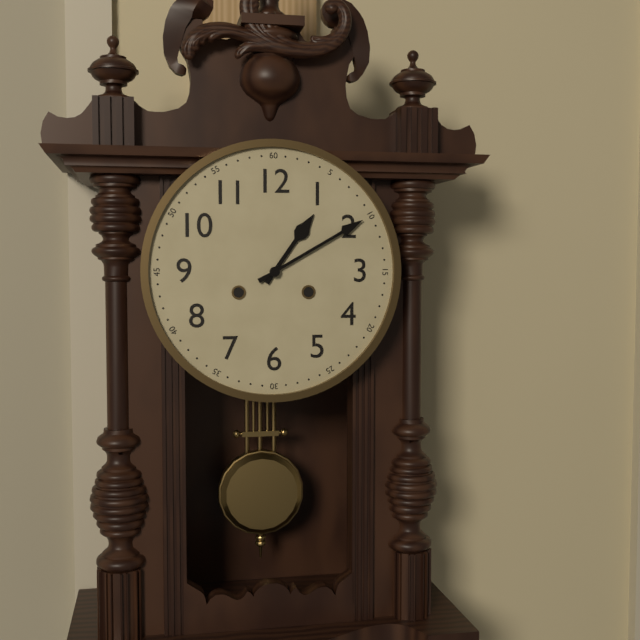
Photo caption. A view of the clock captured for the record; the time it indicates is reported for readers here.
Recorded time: 1:10
